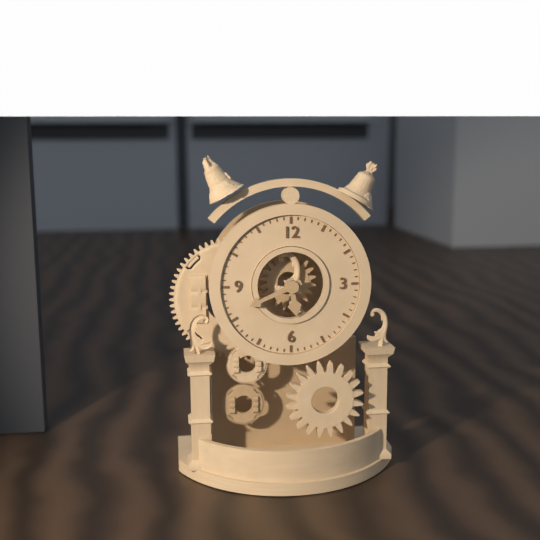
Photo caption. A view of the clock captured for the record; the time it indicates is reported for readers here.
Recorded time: 5:41
